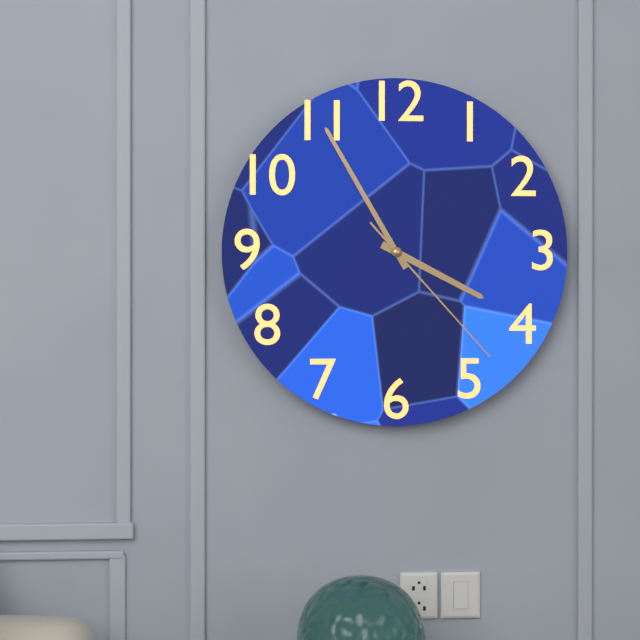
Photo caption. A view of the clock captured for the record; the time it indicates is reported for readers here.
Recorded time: 3:55:23
